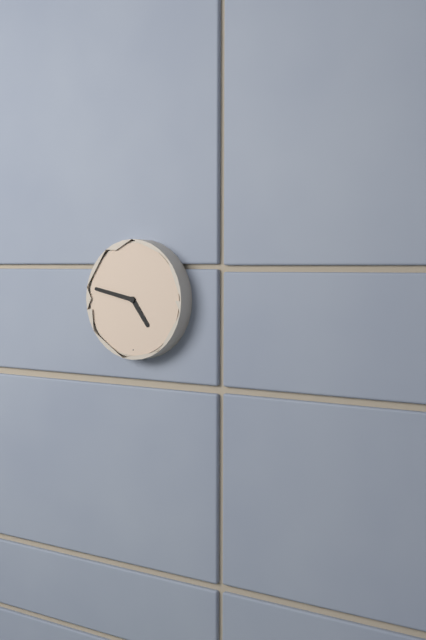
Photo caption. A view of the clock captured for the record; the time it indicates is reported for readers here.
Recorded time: 4:47
